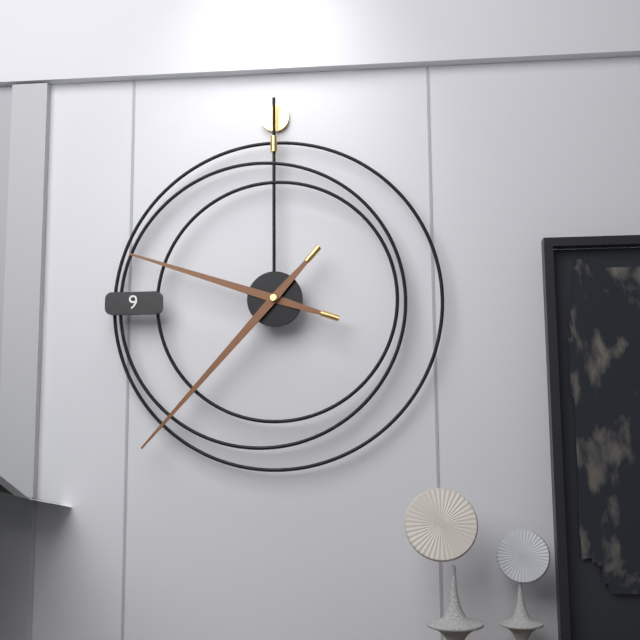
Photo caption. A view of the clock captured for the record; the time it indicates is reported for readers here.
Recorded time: 9:37
